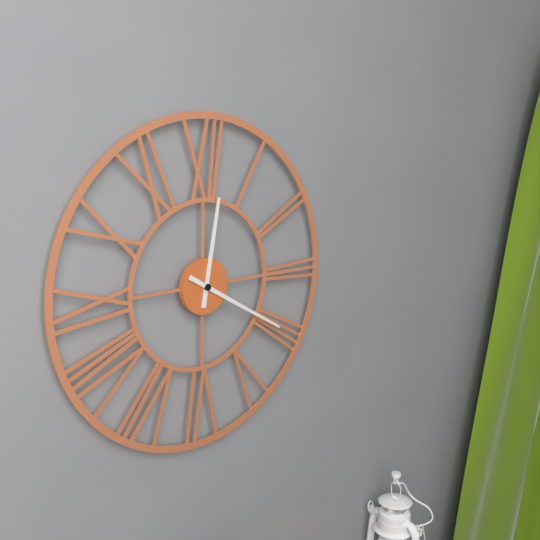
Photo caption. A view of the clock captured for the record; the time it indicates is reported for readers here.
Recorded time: 12:20
